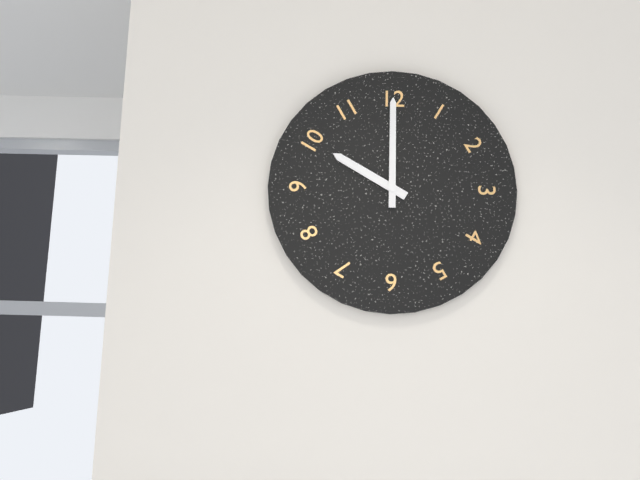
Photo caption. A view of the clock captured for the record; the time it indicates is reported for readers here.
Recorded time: 10:00
